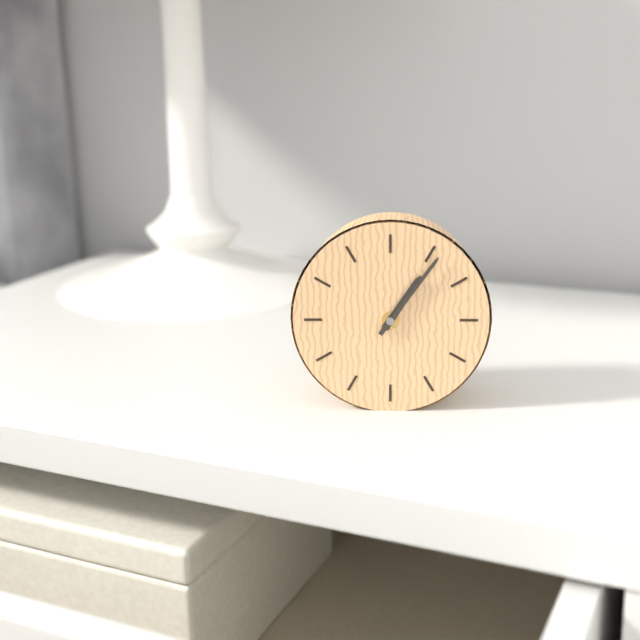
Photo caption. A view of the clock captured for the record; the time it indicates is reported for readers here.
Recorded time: 1:06
